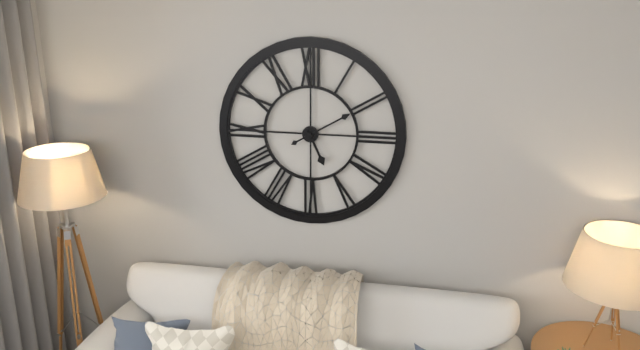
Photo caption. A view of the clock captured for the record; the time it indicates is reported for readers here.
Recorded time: 5:10
